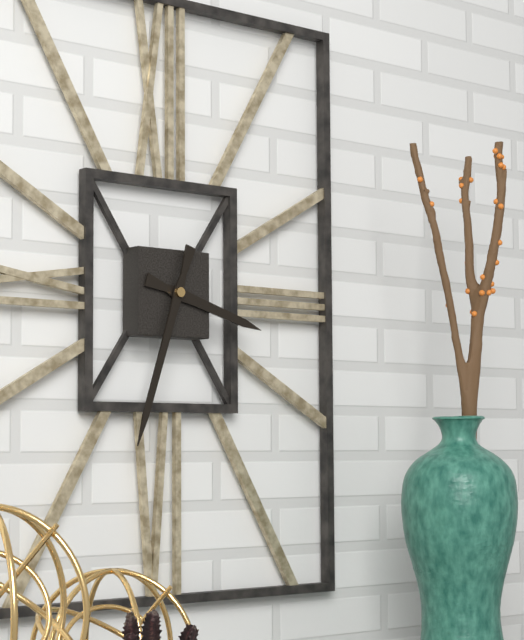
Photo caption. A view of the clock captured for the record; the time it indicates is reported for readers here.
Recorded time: 3:33
